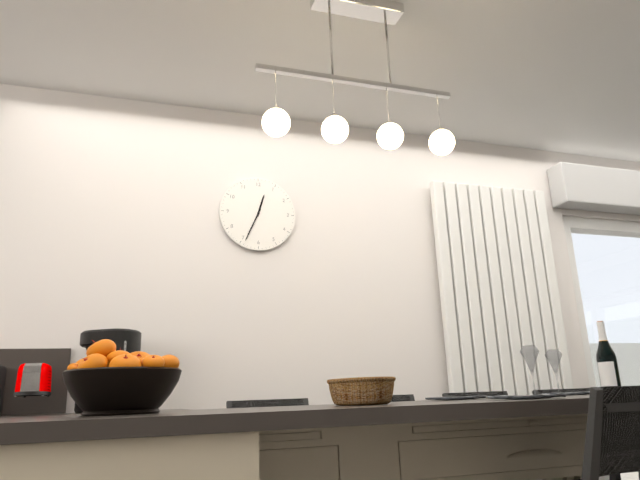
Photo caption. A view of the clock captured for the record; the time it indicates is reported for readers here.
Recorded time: 12:34
